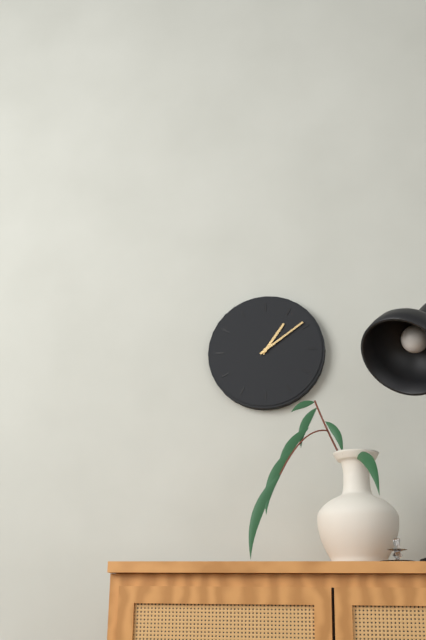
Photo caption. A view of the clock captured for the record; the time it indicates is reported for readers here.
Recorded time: 1:09
